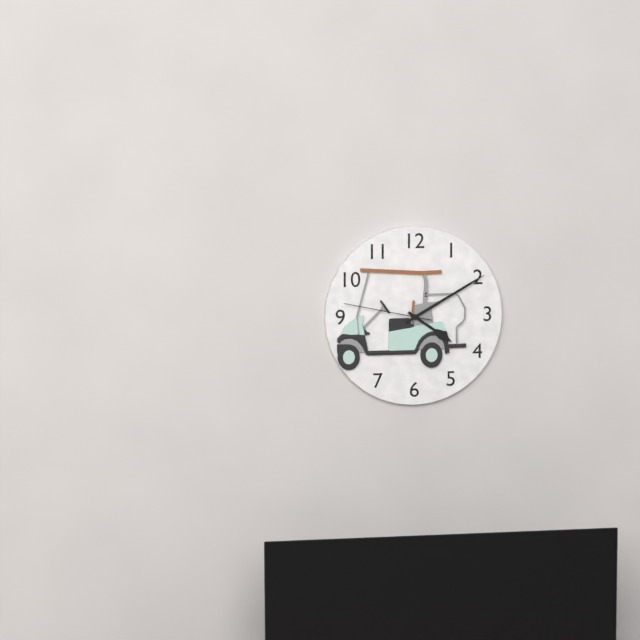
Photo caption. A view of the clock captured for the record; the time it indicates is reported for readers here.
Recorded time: 4:10:47
